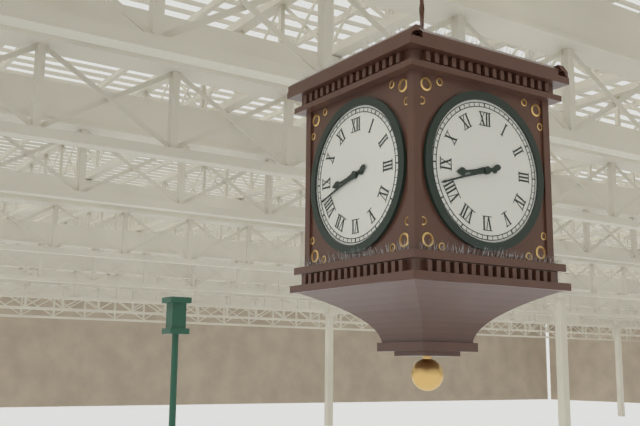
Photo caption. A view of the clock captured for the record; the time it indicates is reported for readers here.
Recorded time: 8:42
